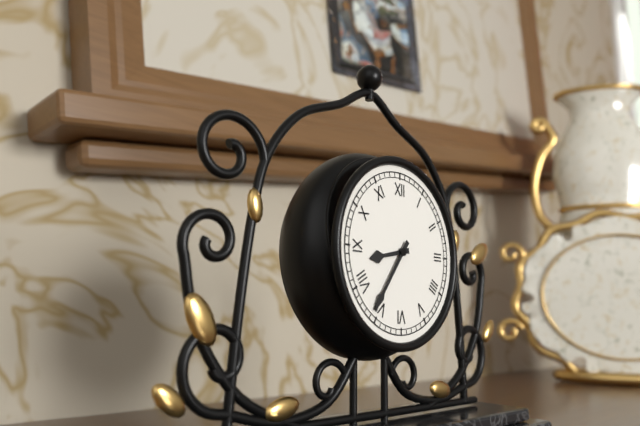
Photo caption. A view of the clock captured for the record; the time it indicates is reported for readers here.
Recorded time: 8:36
